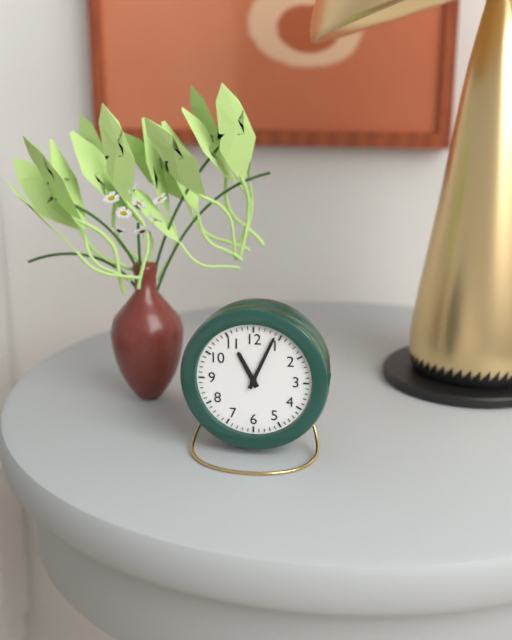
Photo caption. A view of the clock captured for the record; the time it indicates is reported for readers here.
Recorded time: 11:04
